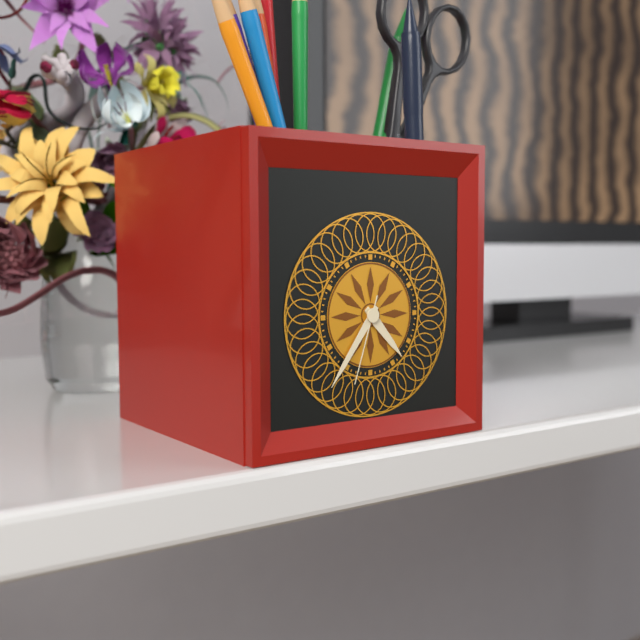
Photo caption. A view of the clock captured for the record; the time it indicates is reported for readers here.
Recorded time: 4:36:33
